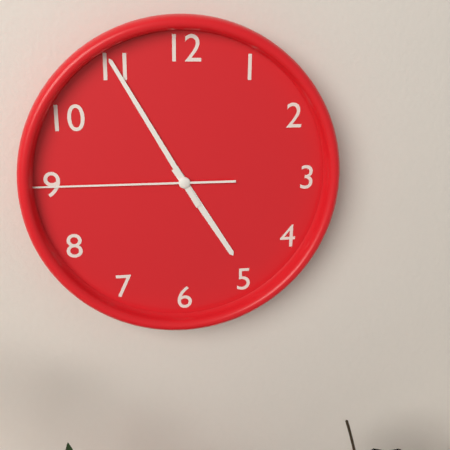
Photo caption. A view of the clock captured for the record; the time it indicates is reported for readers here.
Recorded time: 4:55:45
